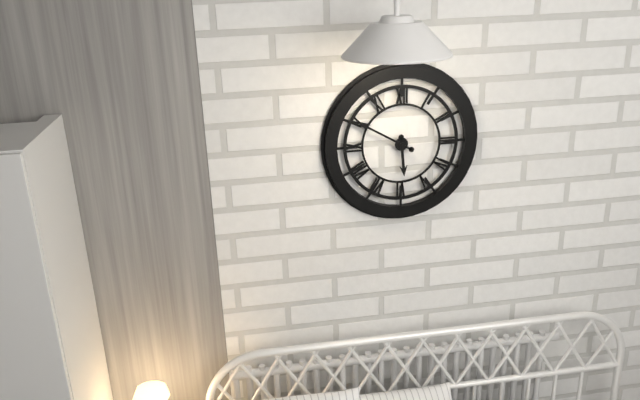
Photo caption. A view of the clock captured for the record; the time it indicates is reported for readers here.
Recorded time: 5:50
